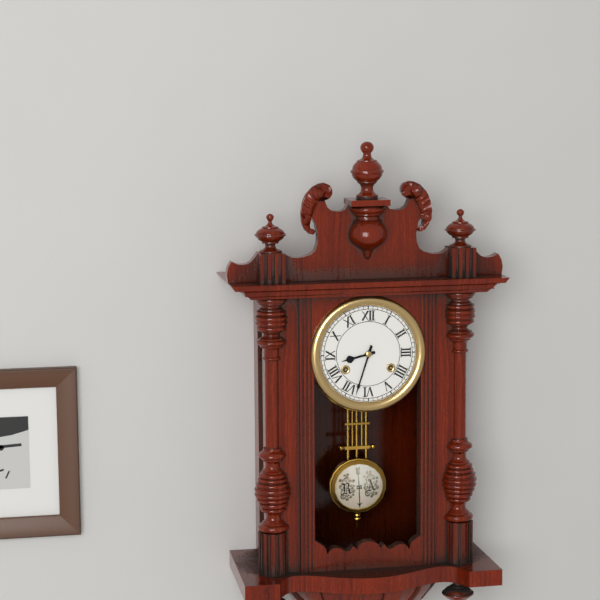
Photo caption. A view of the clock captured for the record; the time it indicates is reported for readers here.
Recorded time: 8:33
